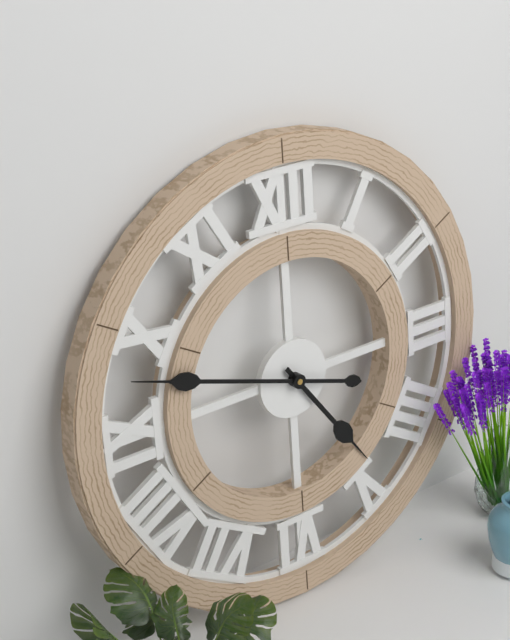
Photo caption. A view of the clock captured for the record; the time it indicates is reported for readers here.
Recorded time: 4:48
